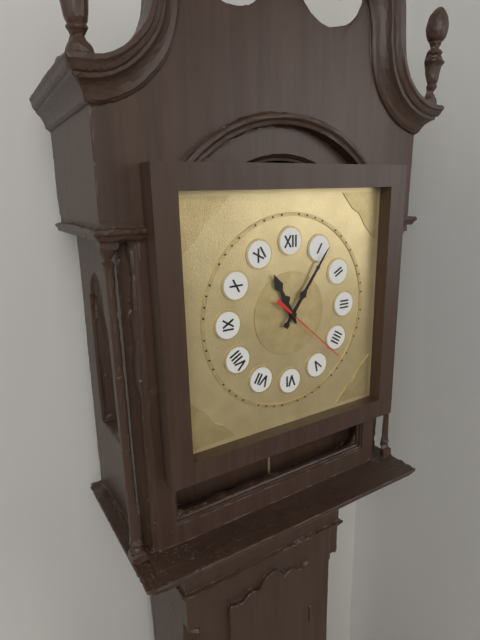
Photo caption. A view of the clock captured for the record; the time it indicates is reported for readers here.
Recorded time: 11:06:22
